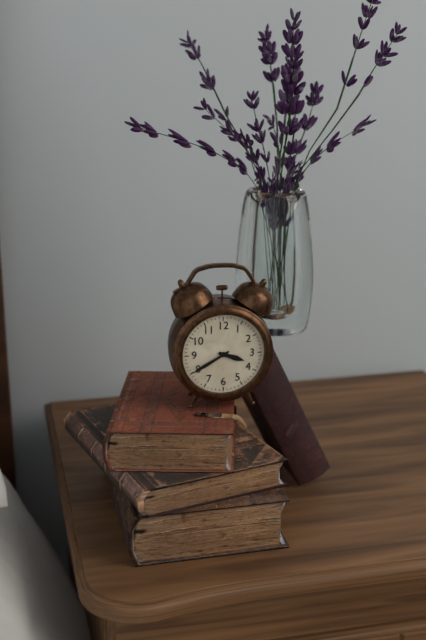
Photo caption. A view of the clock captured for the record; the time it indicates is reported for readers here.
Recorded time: 3:40
